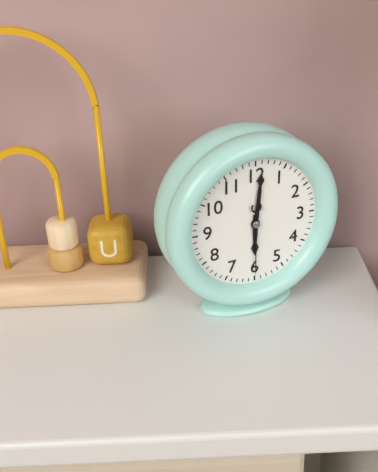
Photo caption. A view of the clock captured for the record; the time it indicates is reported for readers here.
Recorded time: 6:01:30
